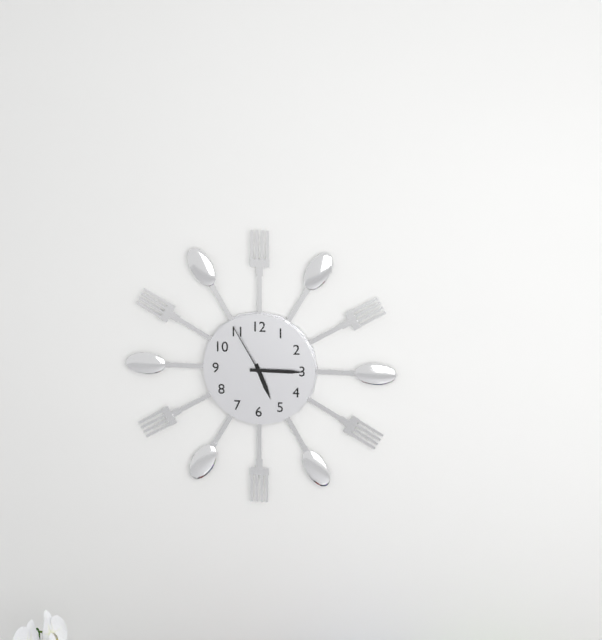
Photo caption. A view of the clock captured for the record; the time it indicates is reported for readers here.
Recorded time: 5:15:55
